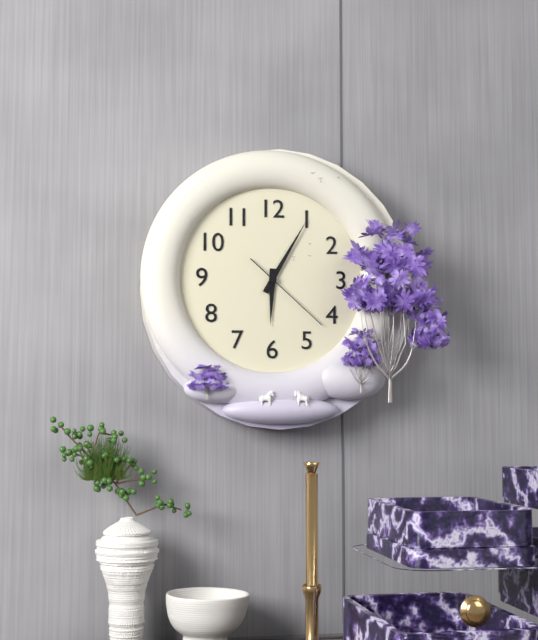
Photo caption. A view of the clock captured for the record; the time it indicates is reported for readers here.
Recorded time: 6:05:22
